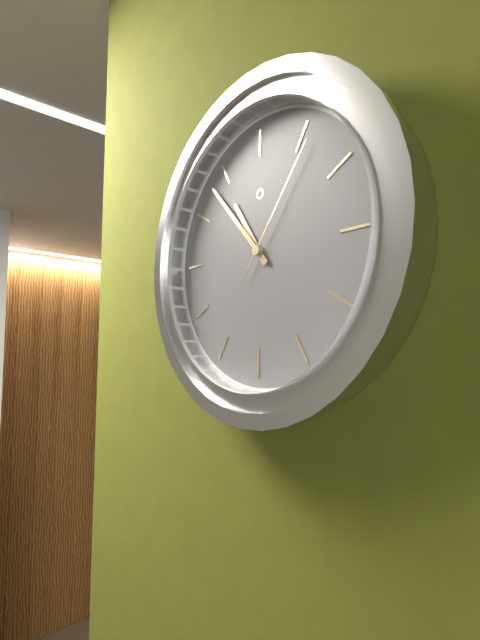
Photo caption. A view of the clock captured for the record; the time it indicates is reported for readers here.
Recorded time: 10:53:06
